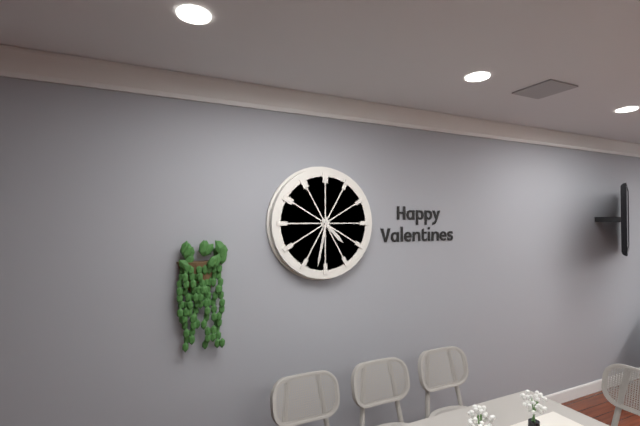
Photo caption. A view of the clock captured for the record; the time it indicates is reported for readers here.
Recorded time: 4:32
